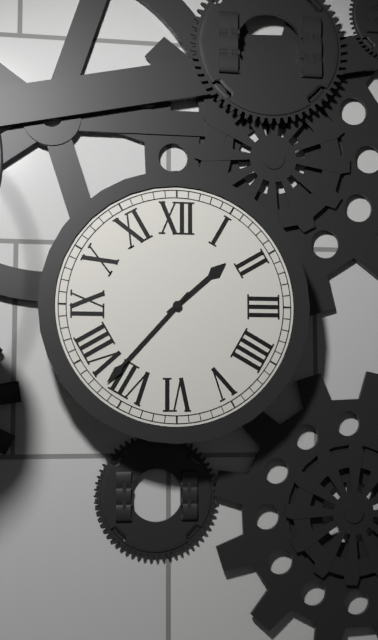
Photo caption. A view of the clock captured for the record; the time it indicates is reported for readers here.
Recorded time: 1:37
